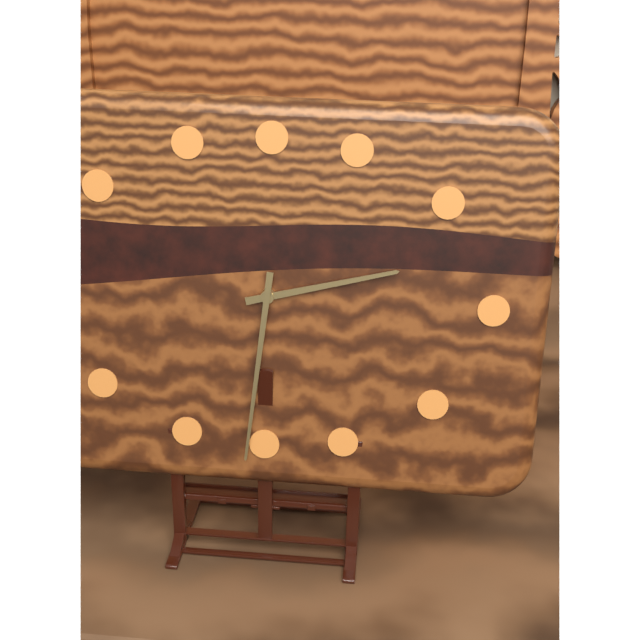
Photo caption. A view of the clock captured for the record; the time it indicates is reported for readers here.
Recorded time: 2:31
